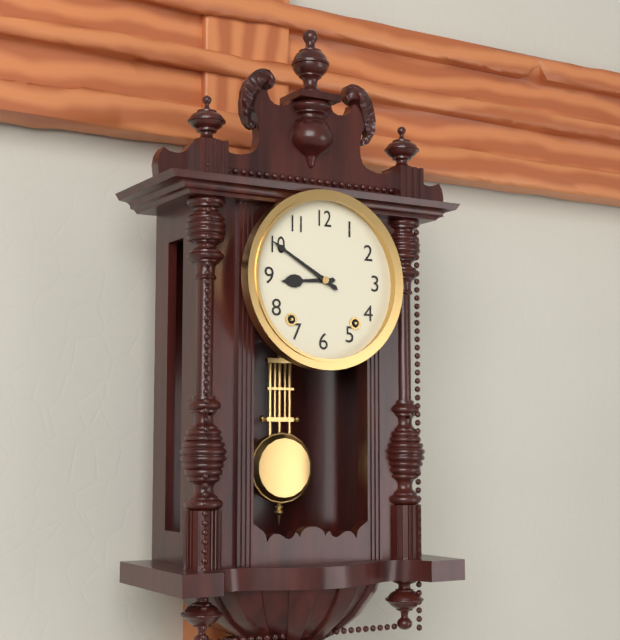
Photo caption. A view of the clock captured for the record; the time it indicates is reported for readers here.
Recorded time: 8:50
